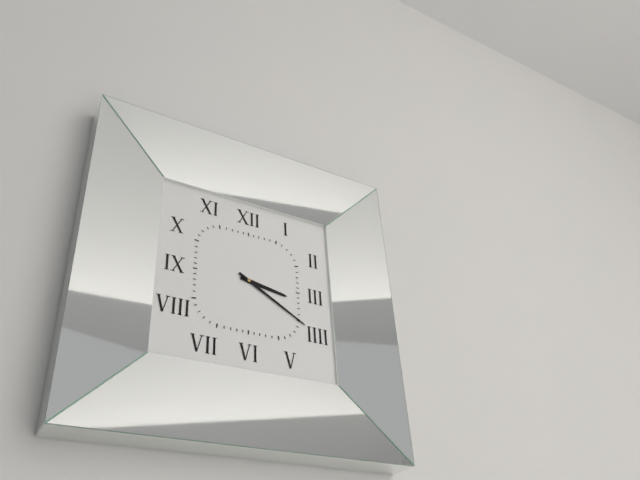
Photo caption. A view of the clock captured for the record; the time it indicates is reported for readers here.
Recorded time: 3:20
